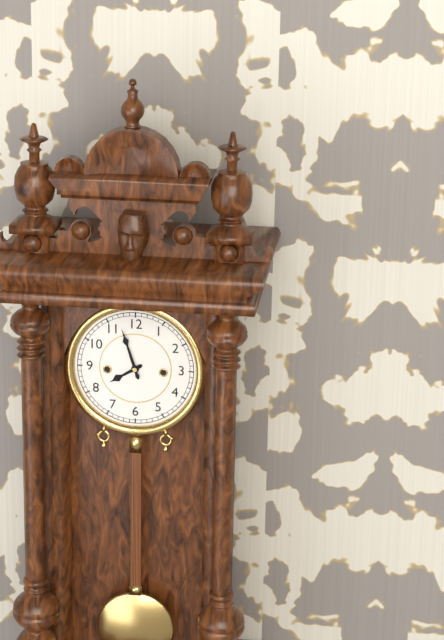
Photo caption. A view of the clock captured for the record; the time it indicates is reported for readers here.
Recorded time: 7:57
